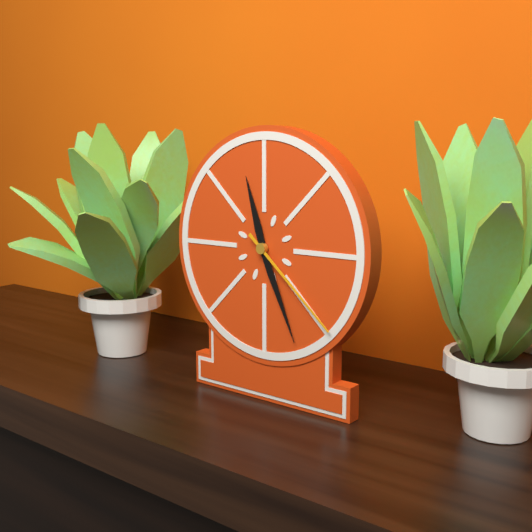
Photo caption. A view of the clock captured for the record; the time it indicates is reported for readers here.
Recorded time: 11:26:22
